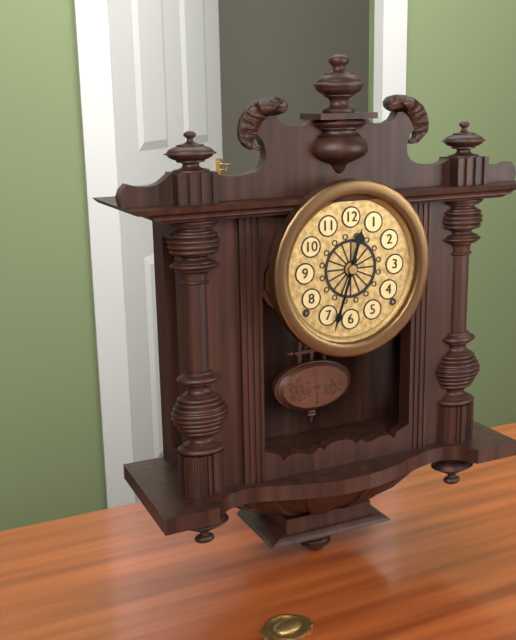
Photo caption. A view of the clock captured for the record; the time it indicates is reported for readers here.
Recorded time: 12:33
